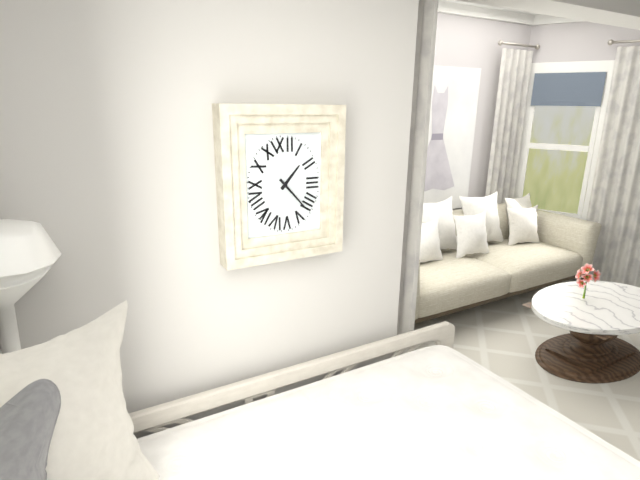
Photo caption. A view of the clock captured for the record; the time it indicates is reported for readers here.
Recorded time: 1:23
